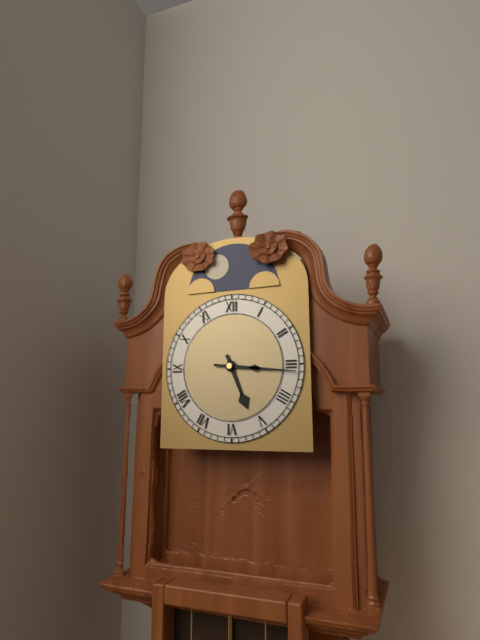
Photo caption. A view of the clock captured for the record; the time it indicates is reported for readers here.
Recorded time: 5:16
